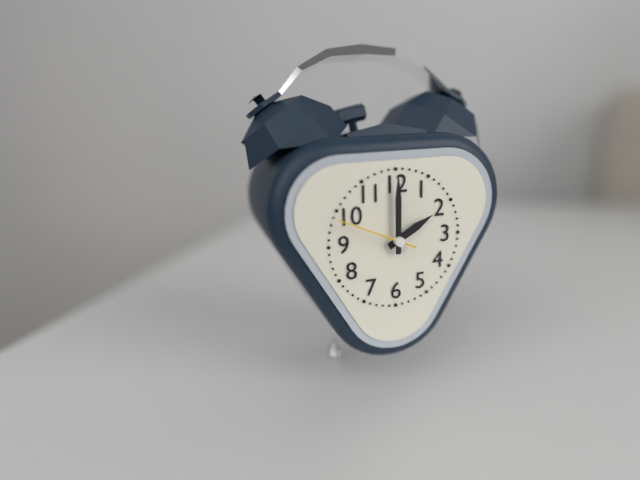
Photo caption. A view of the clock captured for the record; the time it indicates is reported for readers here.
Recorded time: 2:00:49
